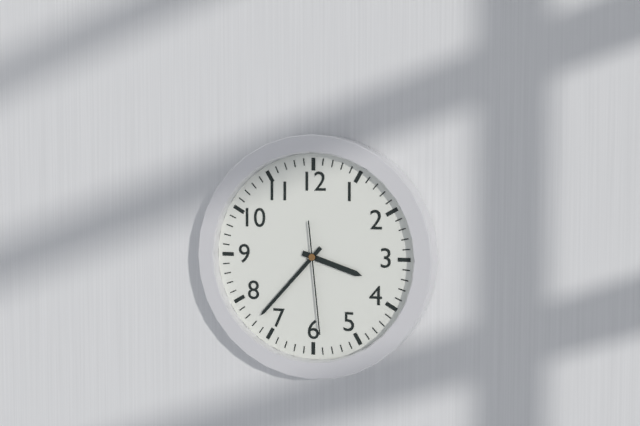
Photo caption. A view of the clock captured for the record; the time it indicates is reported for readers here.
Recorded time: 3:37:29
